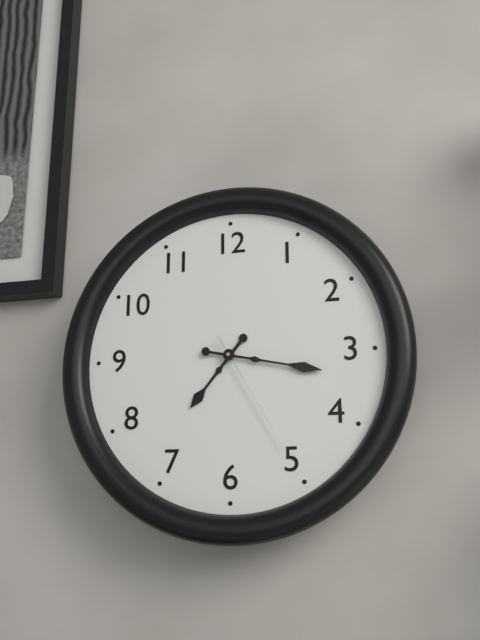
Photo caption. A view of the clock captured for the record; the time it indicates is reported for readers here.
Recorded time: 7:17:25
